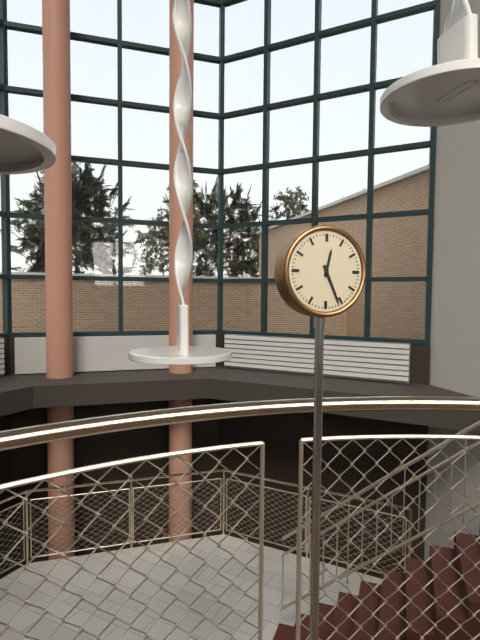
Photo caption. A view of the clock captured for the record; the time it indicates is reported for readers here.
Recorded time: 12:26
